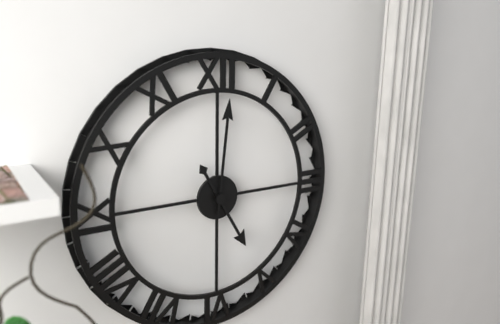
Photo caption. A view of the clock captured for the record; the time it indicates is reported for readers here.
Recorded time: 5:01
